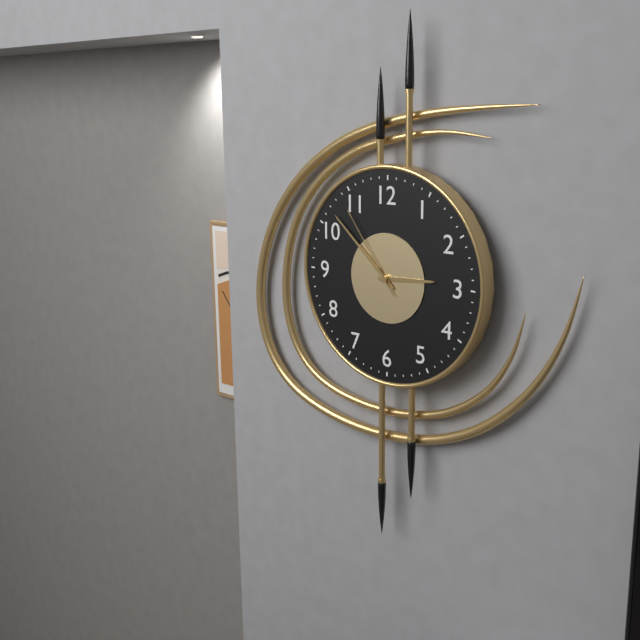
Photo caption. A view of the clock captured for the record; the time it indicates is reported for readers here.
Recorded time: 2:52:54
